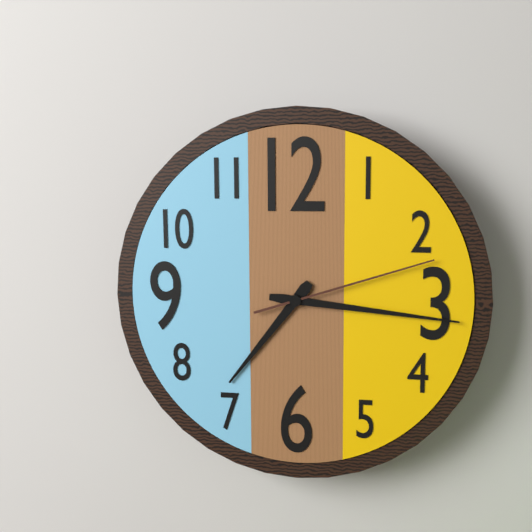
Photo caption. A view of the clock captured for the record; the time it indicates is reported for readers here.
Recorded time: 7:16:12
